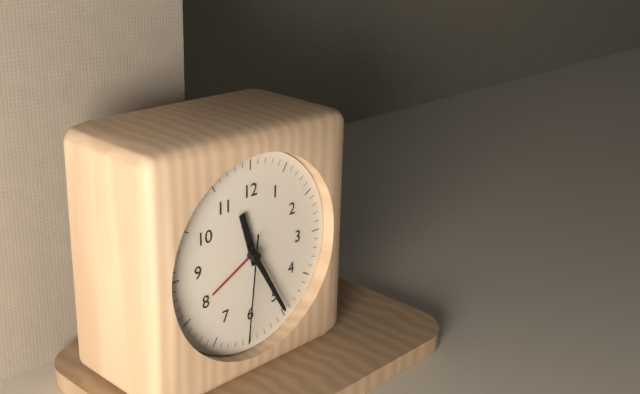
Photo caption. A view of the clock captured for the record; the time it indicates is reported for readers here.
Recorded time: 11:25:31
